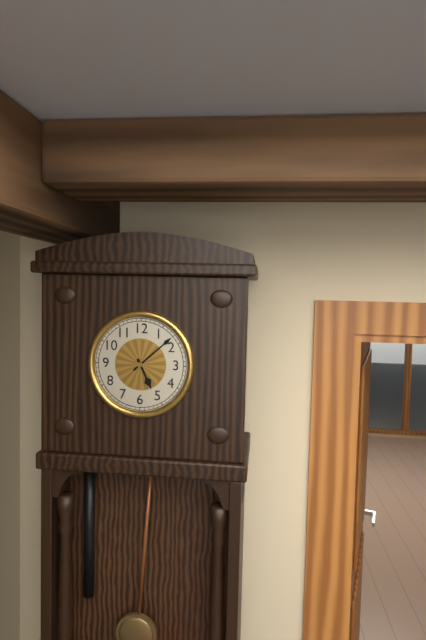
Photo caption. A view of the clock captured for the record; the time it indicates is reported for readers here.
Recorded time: 5:08
